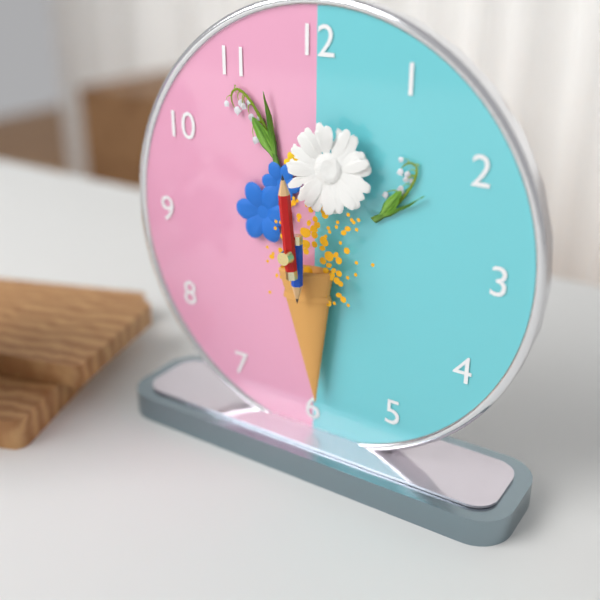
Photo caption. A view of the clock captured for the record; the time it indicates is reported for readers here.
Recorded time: 5:59
